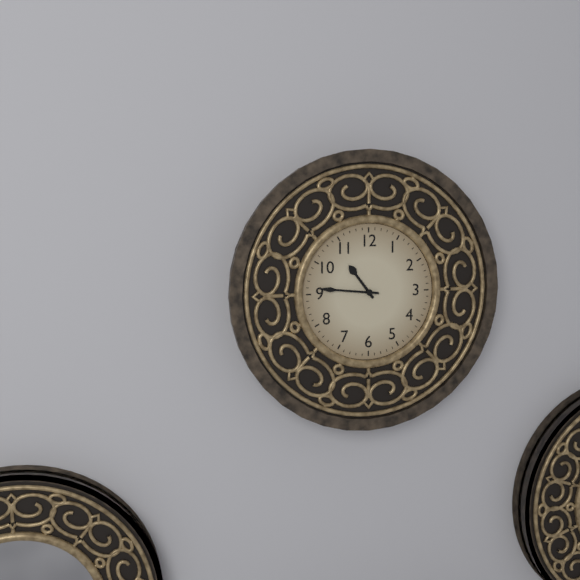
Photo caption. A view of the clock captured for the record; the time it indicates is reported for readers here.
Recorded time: 10:46
